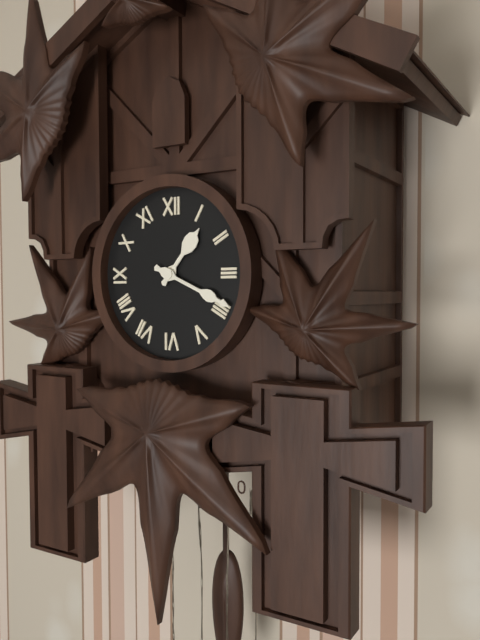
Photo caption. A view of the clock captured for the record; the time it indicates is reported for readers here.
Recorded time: 1:19
